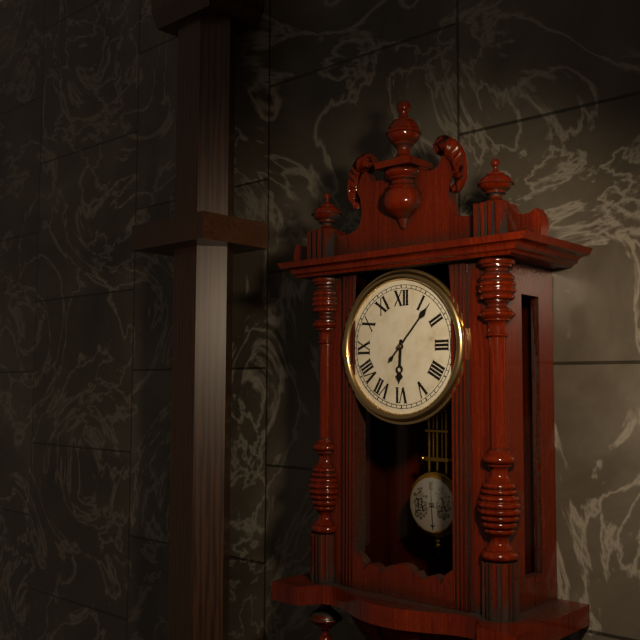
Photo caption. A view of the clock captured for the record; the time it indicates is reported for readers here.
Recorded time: 6:07
